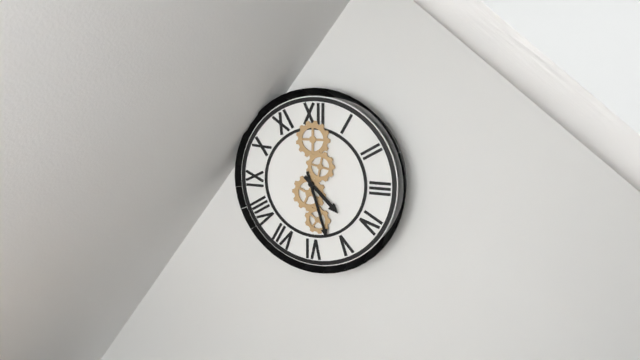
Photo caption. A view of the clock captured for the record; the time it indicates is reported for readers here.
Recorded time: 4:27
